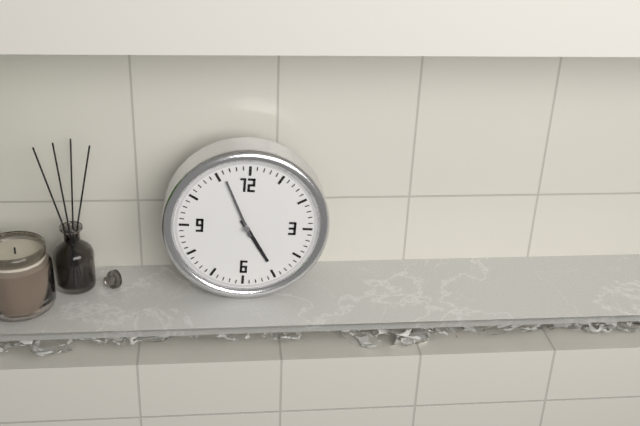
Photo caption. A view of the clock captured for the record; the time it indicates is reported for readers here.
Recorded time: 4:56
